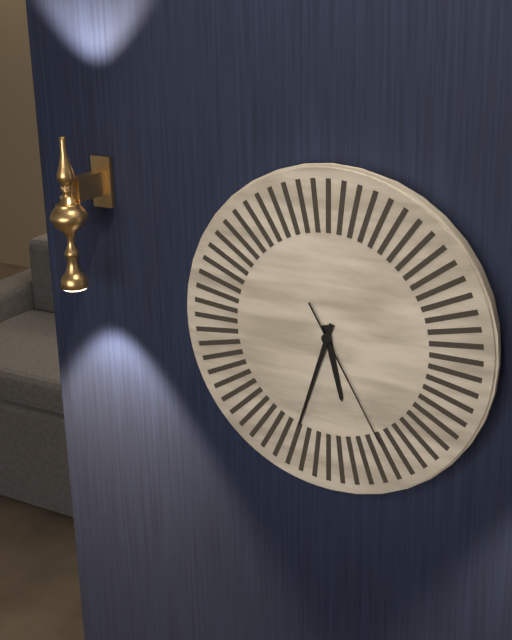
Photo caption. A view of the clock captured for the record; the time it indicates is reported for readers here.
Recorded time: 5:33:25
